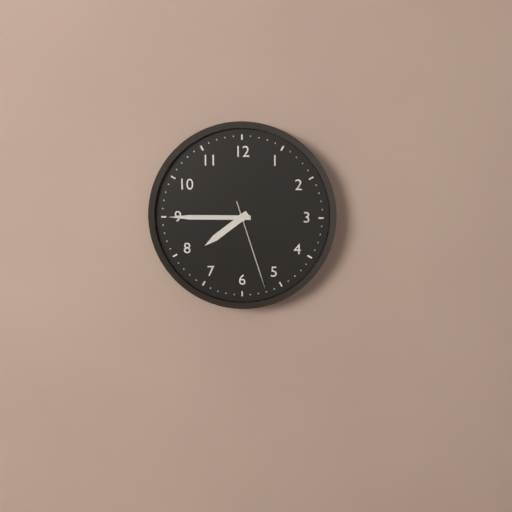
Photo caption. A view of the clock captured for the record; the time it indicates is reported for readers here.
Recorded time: 7:45:27
